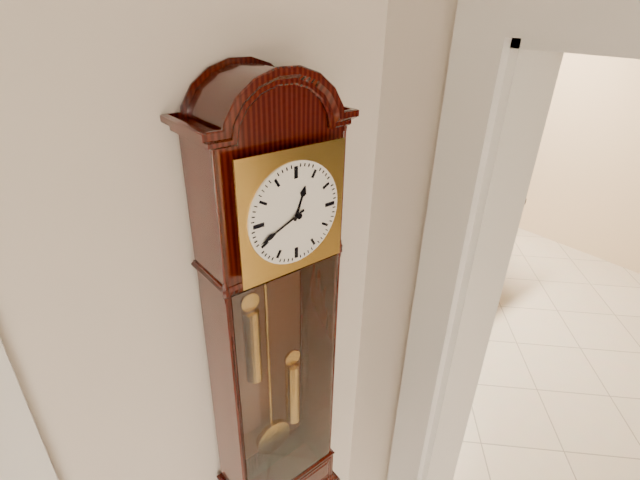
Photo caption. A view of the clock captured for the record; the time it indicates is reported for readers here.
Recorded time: 12:41
